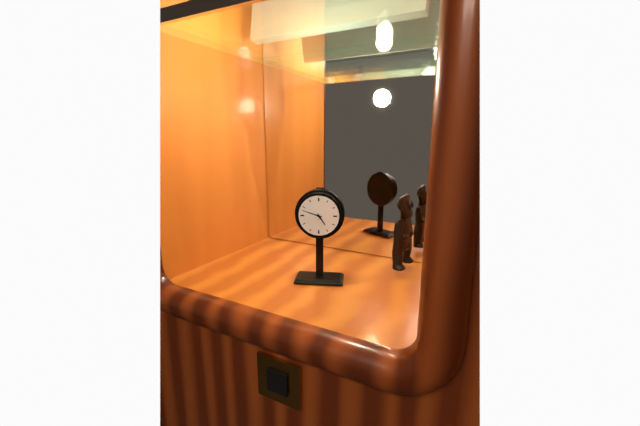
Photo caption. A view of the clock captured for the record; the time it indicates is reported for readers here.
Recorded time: 4:48
